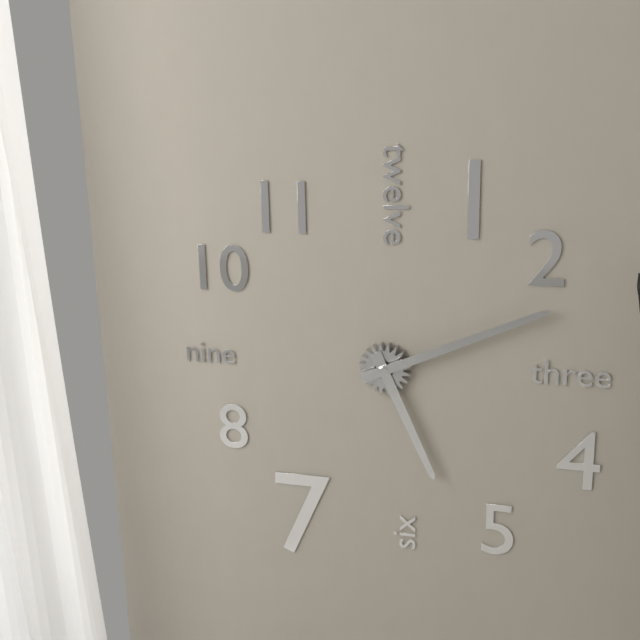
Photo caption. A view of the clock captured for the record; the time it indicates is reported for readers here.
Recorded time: 5:11
